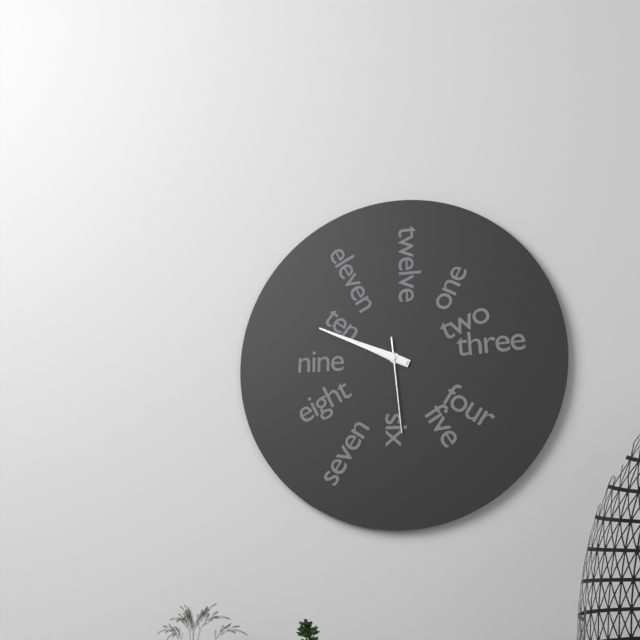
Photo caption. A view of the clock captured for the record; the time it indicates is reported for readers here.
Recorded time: 9:49:29
